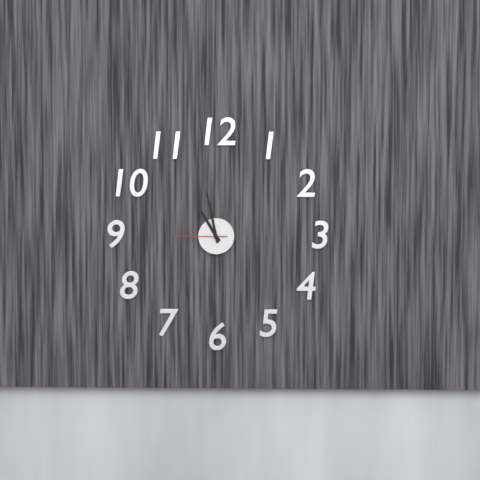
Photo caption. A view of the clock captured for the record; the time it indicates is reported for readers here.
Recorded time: 10:58:45
